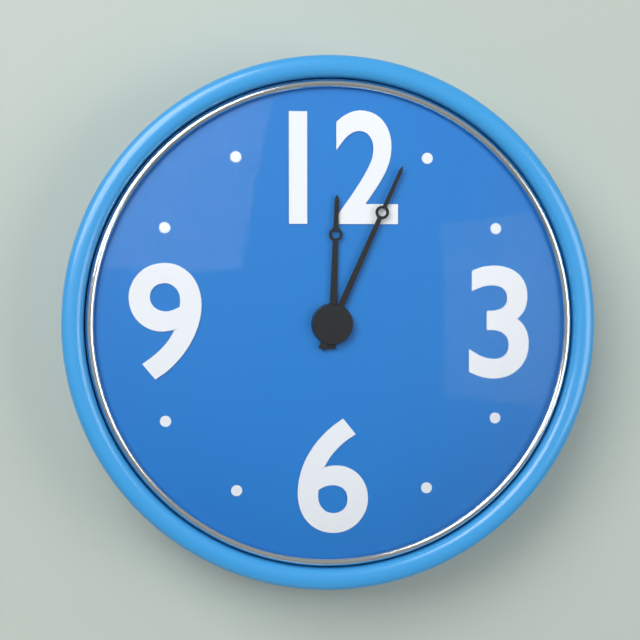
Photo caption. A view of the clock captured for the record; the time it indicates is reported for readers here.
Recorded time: 12:04
